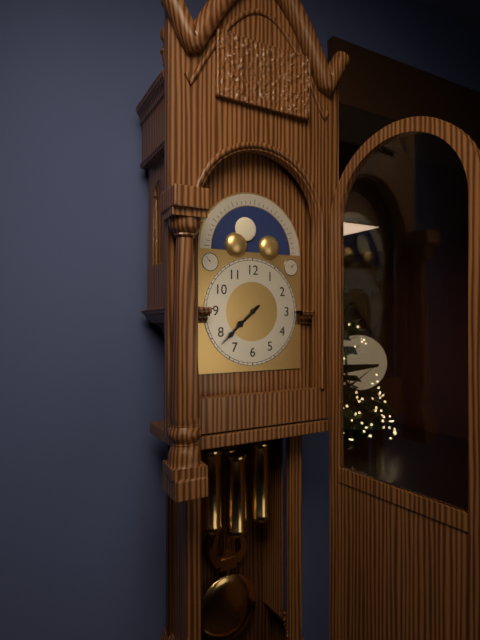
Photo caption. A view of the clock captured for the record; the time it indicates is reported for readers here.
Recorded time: 7:38
